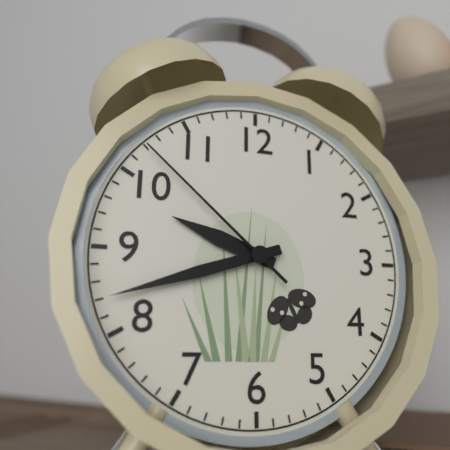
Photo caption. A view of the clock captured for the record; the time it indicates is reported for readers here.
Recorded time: 9:42:52
